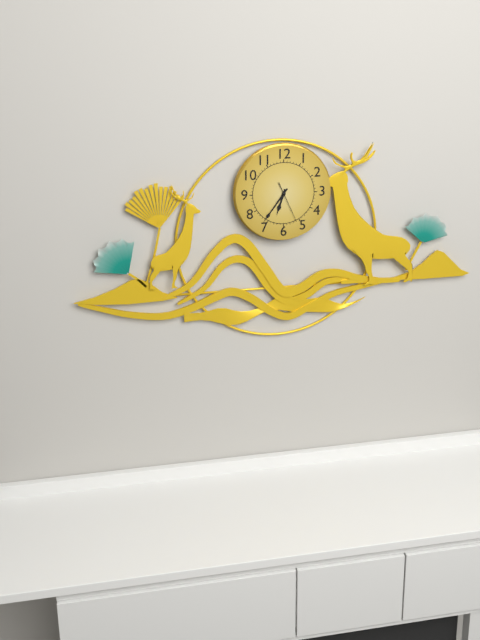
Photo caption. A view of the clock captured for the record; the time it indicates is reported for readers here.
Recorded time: 6:36
